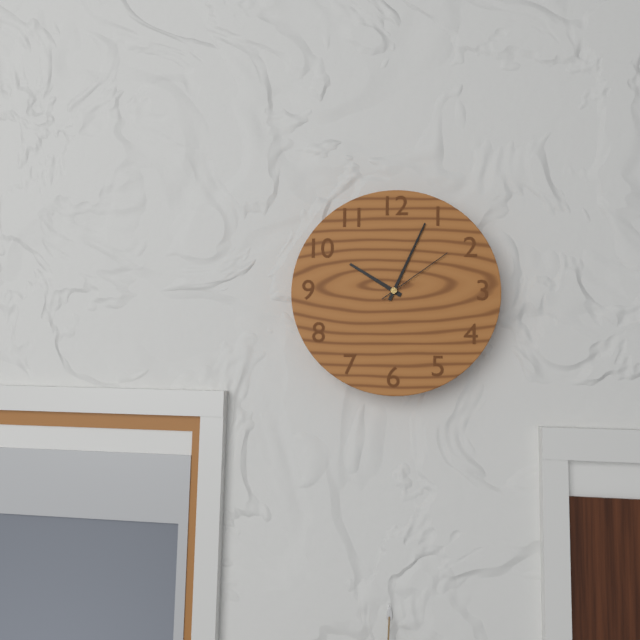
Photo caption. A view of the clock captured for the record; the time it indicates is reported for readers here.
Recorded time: 10:04:09
